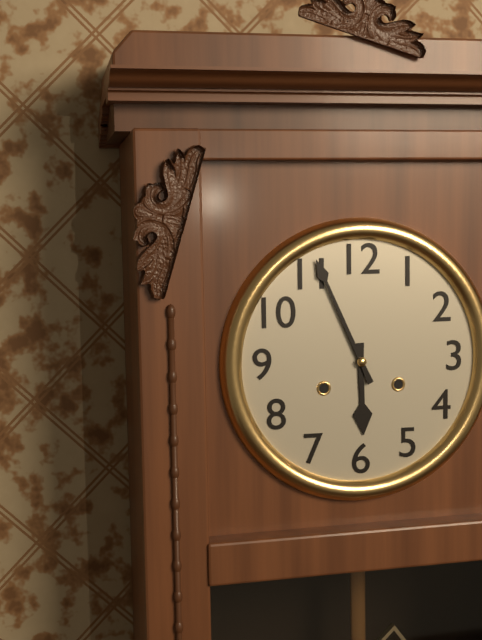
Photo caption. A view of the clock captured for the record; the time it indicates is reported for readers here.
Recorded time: 5:56
